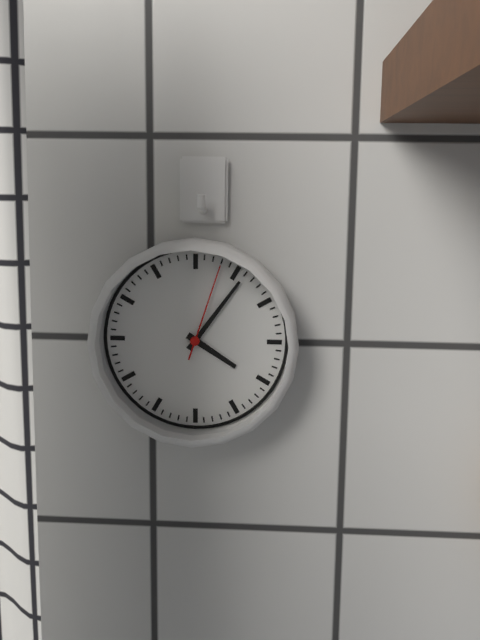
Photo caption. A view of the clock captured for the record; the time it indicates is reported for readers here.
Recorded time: 4:06:03
